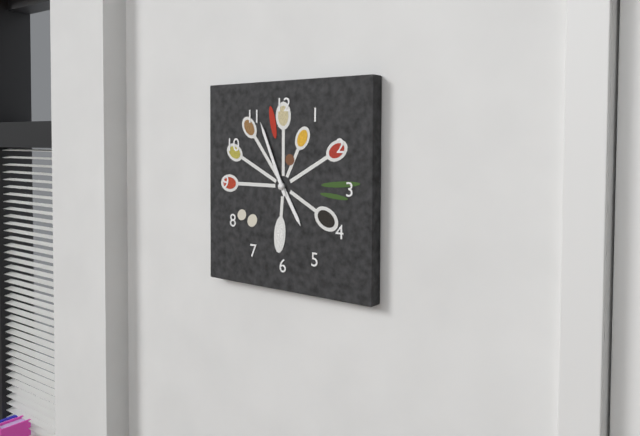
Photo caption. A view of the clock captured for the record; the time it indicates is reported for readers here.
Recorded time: 4:56
